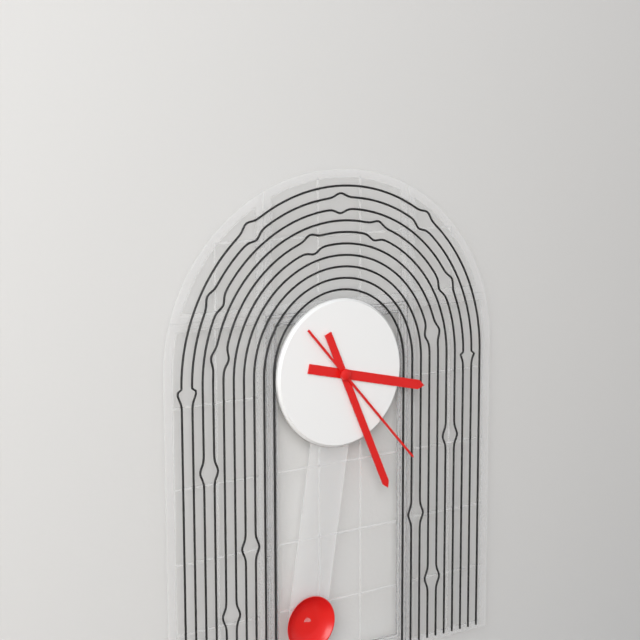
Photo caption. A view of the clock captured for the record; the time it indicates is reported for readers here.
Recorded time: 3:26:23
